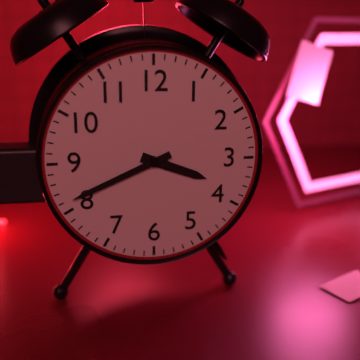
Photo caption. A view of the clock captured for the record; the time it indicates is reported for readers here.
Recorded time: 3:41
